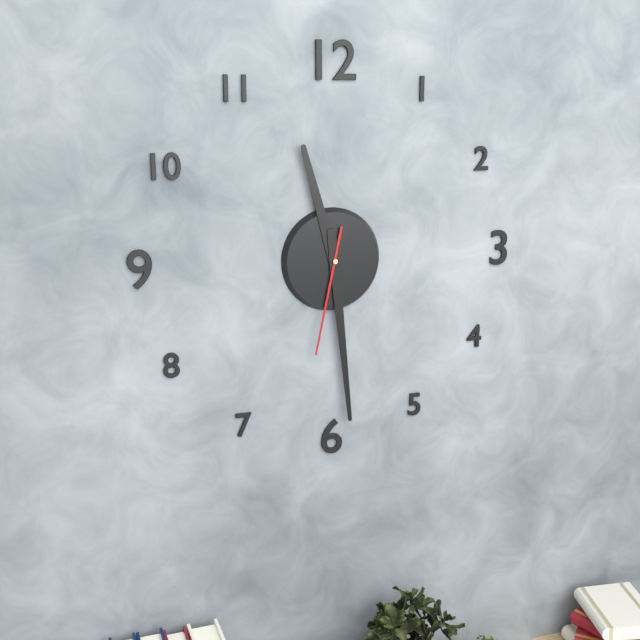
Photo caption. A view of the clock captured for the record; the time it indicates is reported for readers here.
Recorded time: 11:29:32
